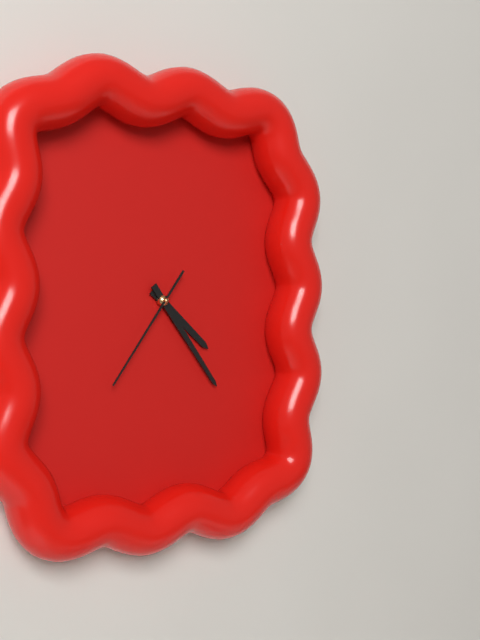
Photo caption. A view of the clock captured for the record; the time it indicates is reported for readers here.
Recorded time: 4:24:36
